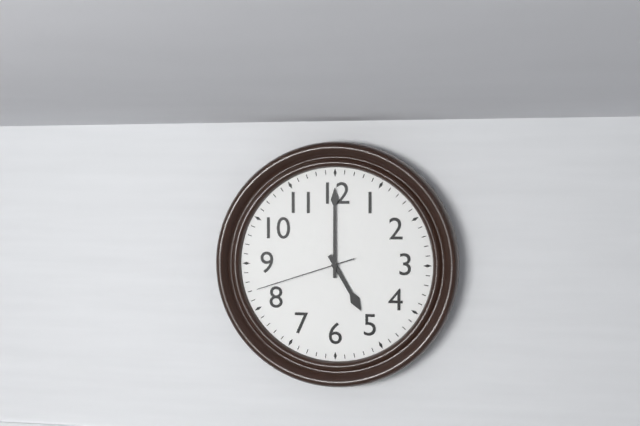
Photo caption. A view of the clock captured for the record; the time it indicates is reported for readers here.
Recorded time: 5:00:42
